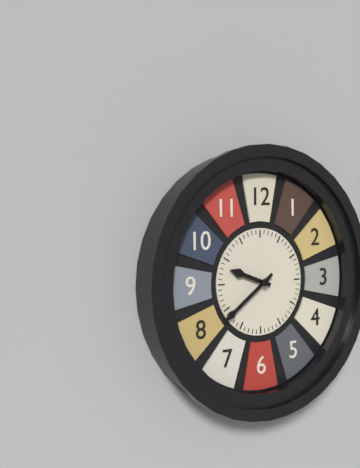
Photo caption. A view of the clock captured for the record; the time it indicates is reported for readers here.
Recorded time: 9:39
